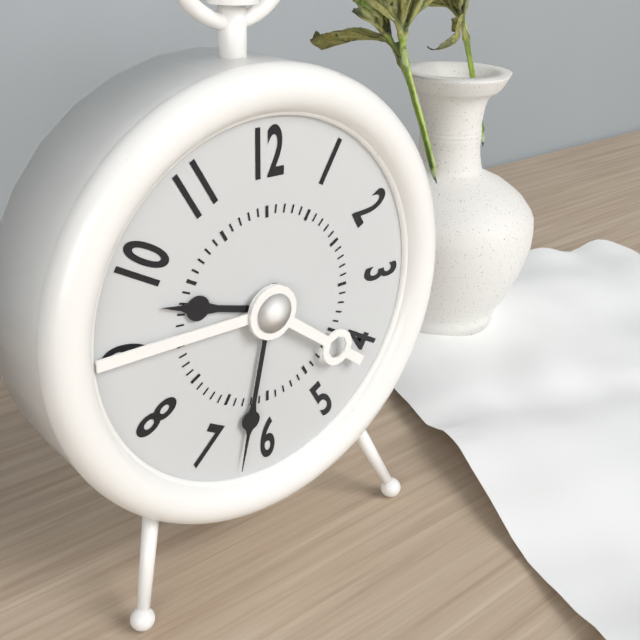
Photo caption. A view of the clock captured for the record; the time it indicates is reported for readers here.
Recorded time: 9:32
